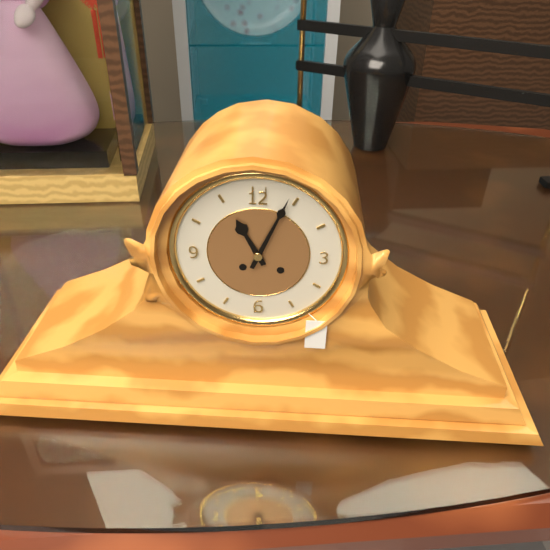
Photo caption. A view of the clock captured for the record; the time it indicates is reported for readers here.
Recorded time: 11:04
